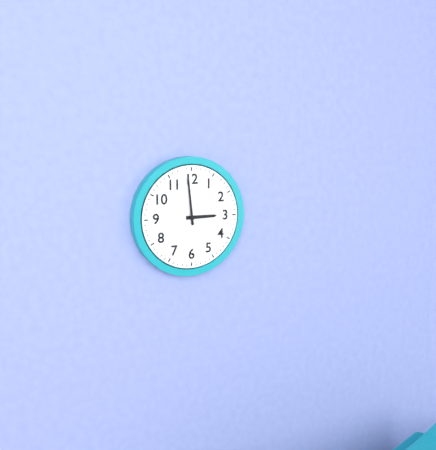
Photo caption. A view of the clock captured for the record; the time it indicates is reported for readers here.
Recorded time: 2:59
